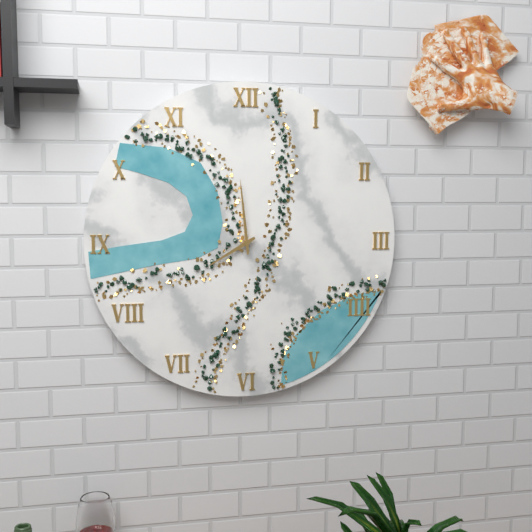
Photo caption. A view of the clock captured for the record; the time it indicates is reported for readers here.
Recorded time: 7:59
